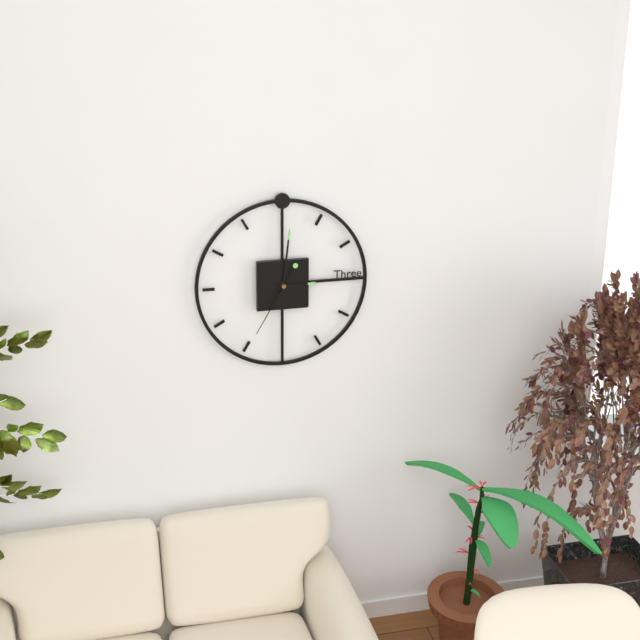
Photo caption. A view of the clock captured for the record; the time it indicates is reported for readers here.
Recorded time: 3:01:35
